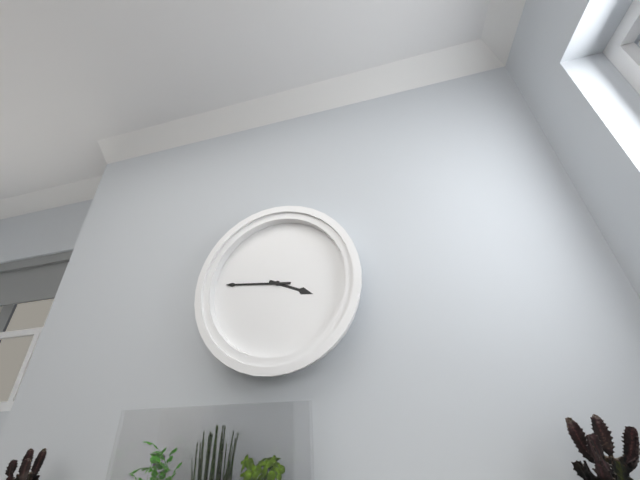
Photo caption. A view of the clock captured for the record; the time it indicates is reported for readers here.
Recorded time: 3:46
